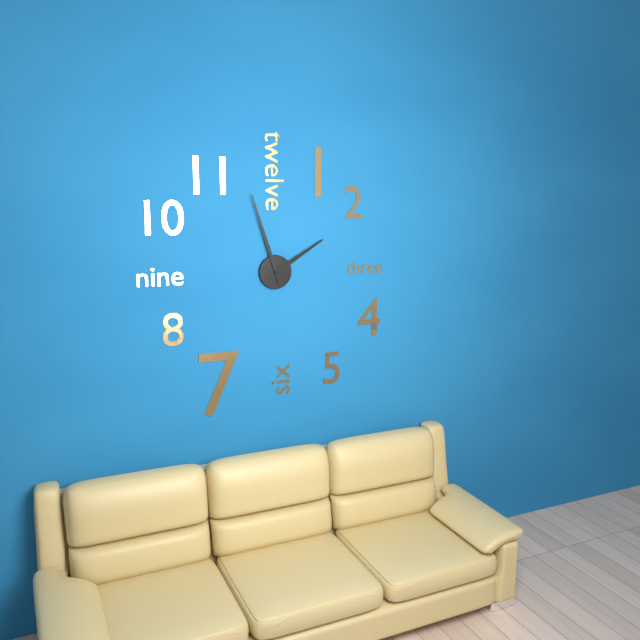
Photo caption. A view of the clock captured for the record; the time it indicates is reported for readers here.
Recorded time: 1:57
